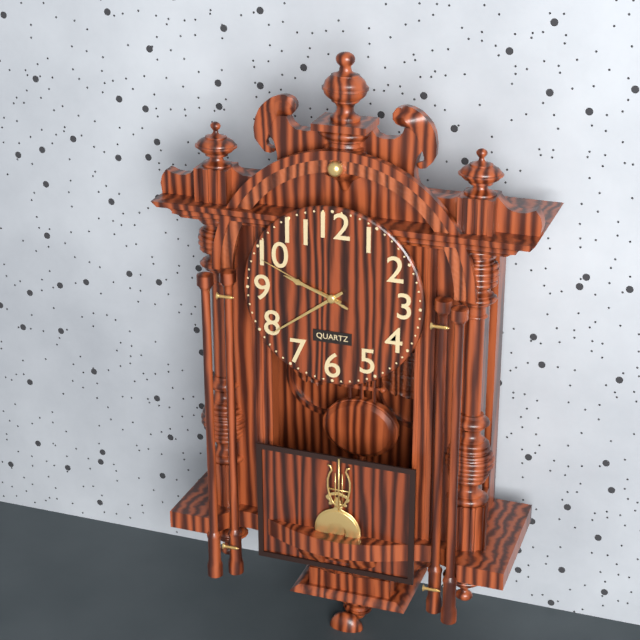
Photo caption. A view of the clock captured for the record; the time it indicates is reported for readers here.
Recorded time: 9:39:49
